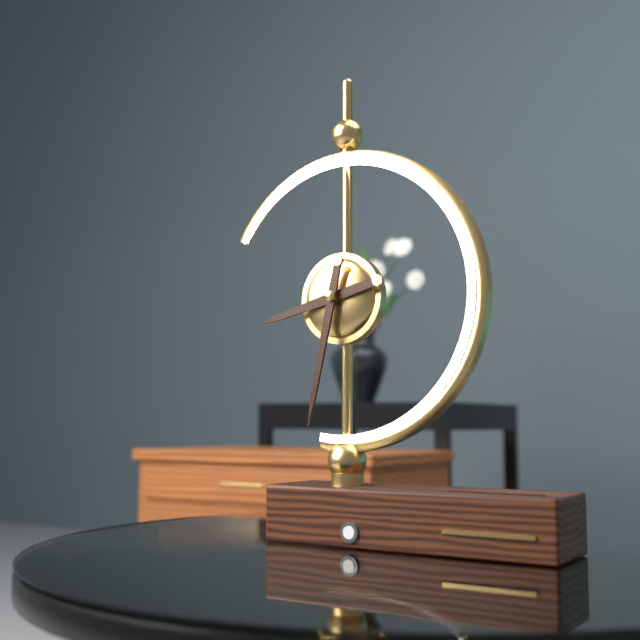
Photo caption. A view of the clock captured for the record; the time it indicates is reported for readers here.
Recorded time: 8:32
